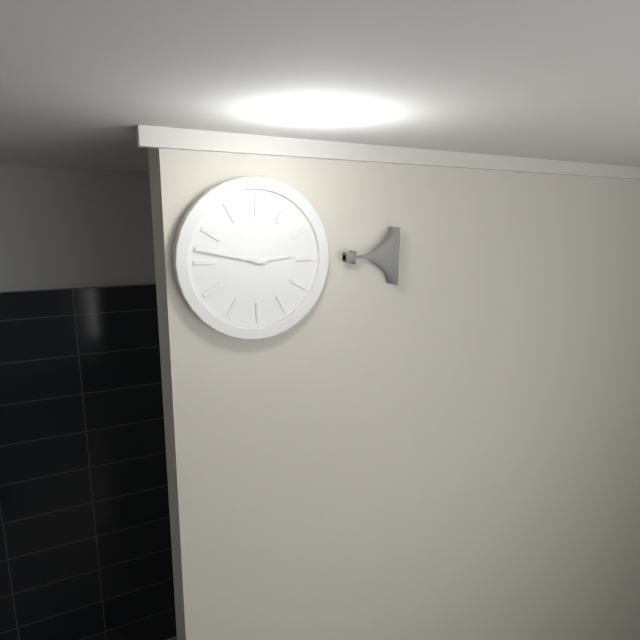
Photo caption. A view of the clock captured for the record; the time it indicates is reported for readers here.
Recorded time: 2:47
